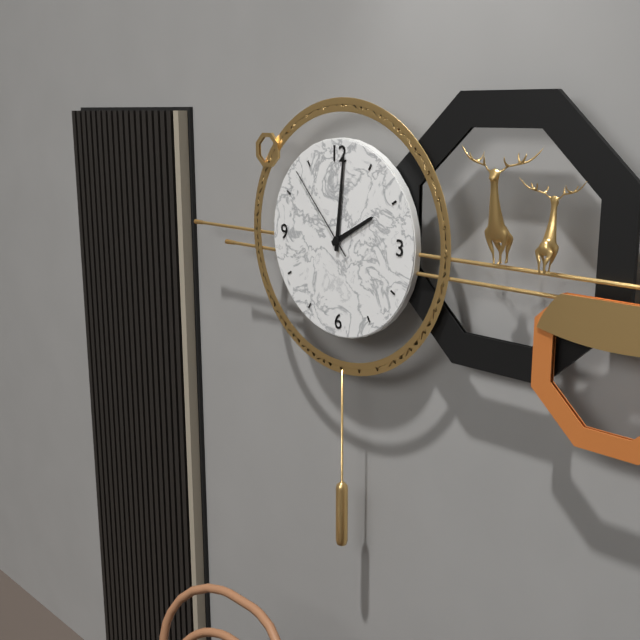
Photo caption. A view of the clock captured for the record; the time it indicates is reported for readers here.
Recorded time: 2:01:53
